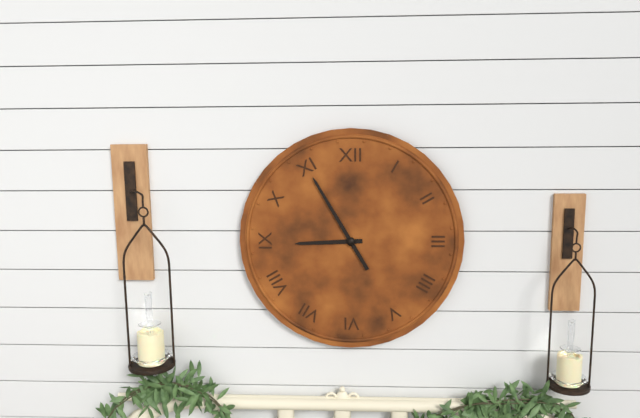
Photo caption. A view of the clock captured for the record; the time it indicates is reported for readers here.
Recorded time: 8:55
